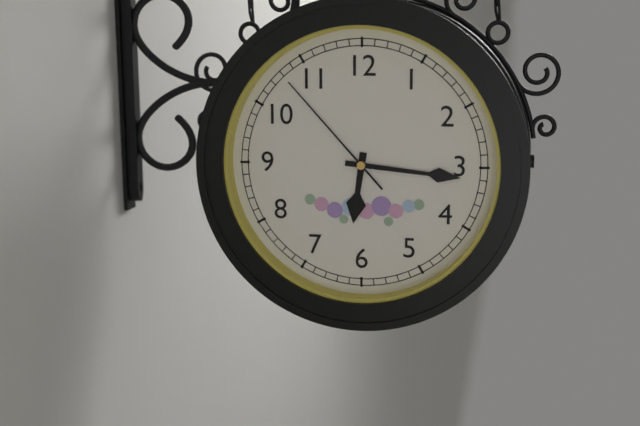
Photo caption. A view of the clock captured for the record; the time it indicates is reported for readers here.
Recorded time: 6:16:53
